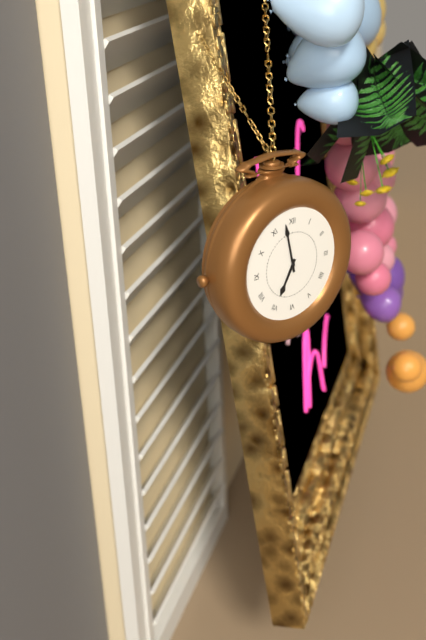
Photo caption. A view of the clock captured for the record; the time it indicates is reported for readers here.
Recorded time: 6:58
